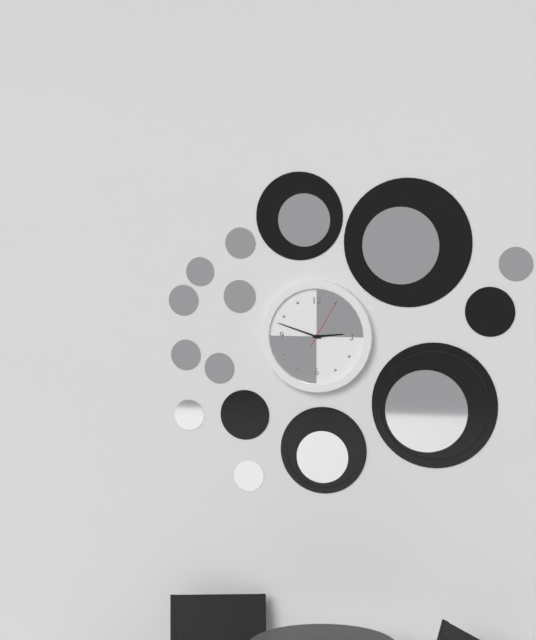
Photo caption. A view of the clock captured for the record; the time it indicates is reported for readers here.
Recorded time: 2:48:05
